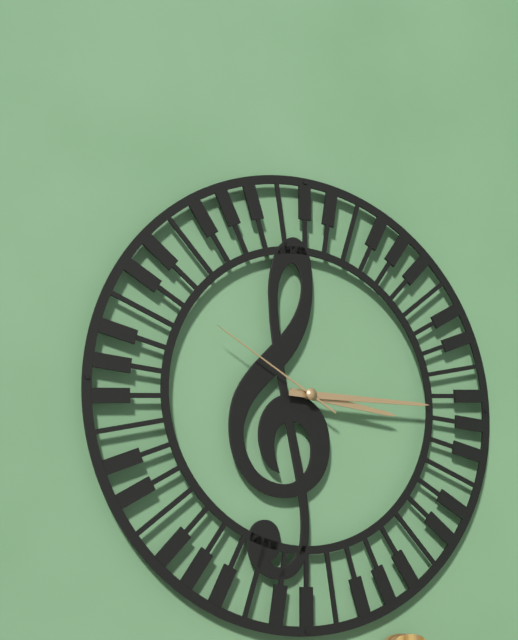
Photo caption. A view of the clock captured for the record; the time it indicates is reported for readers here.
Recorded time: 3:15:50
